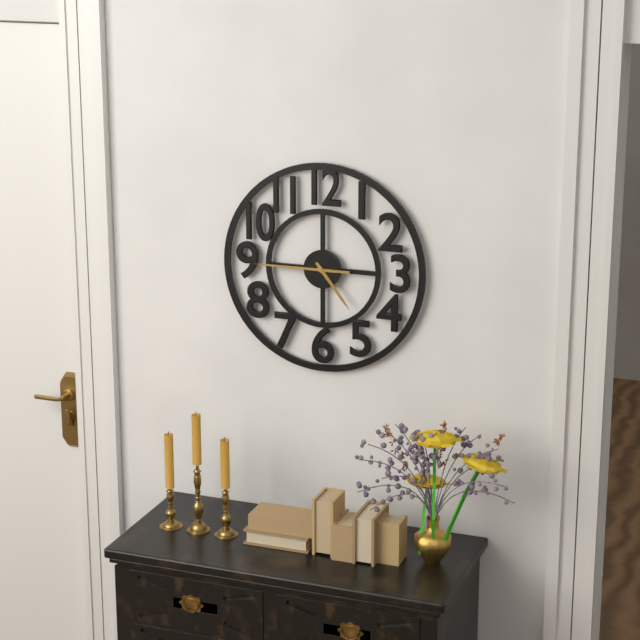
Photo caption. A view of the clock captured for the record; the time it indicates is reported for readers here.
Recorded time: 4:45
